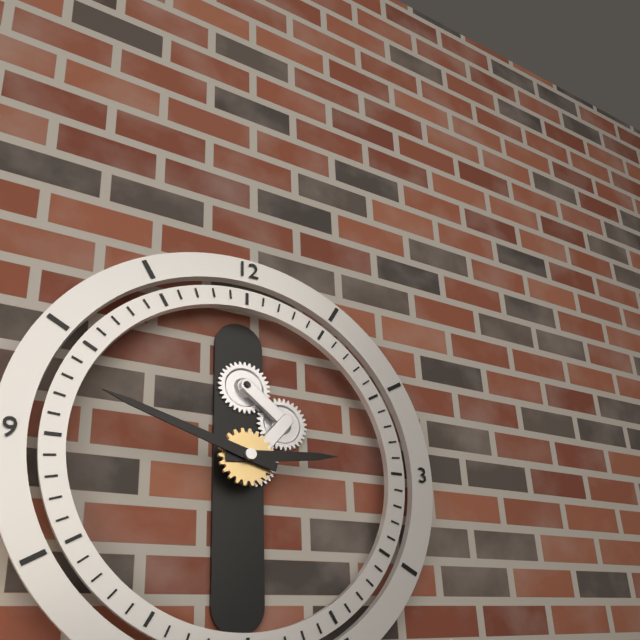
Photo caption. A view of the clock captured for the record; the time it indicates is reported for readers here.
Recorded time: 2:48
